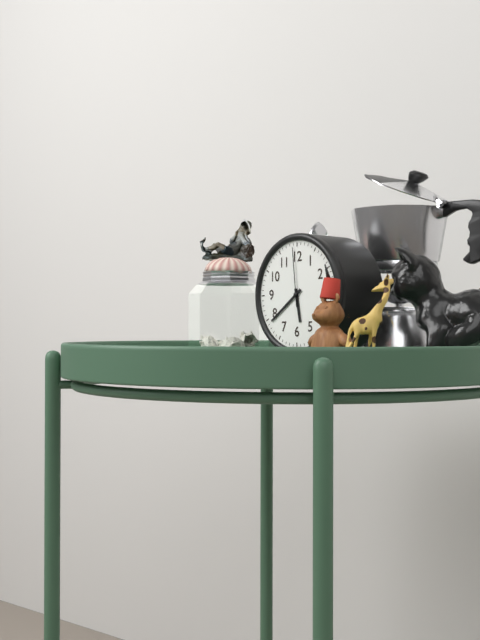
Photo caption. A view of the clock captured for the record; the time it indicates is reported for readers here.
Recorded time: 5:39:59
